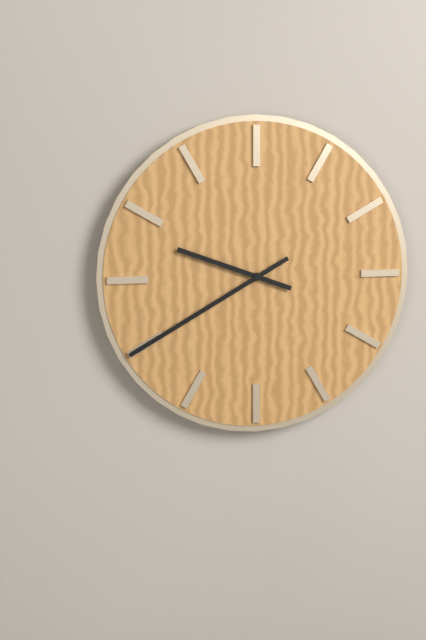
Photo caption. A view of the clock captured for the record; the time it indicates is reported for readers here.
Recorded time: 9:40
